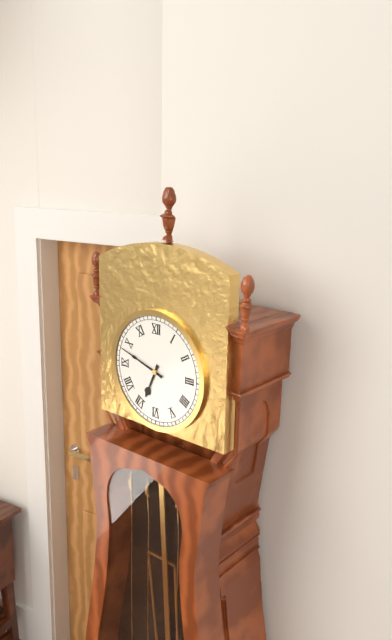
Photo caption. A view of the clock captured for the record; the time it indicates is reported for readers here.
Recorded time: 6:48
